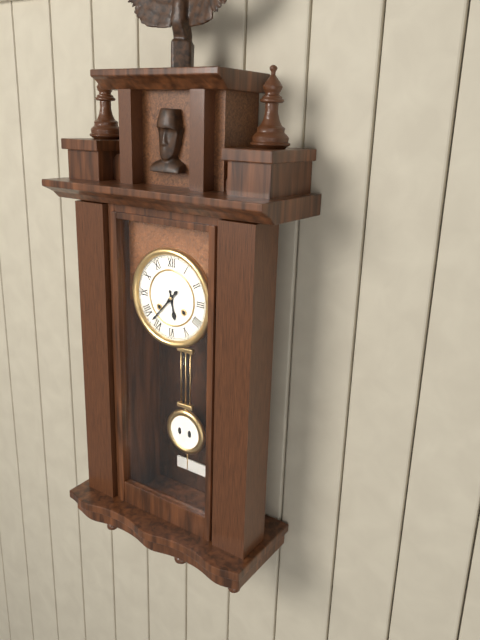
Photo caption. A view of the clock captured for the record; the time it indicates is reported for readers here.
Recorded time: 5:37
